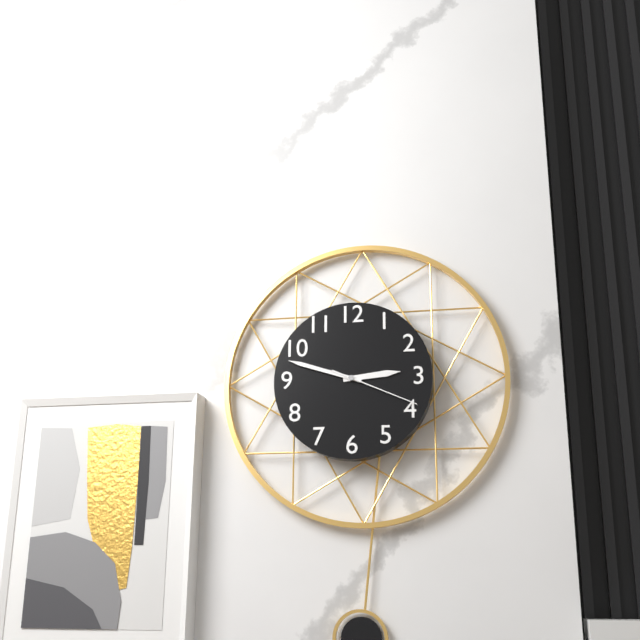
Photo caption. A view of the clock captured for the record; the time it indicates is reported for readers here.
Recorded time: 2:48:19
